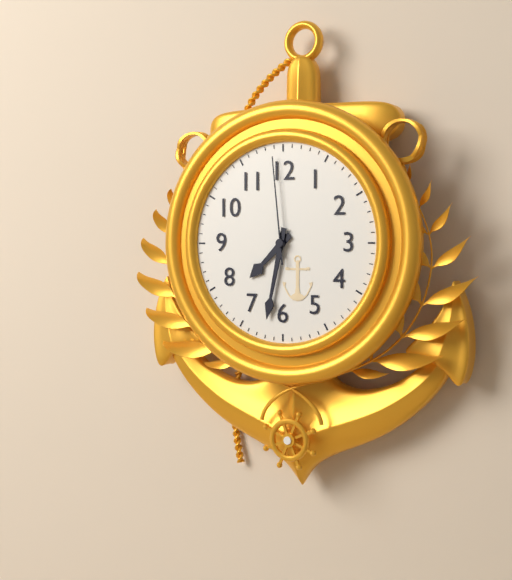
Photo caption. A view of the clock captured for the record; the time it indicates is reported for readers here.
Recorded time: 7:32:59
